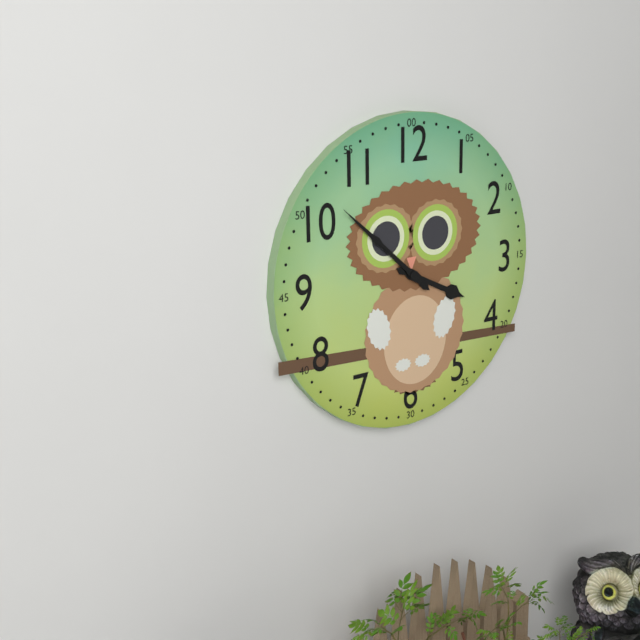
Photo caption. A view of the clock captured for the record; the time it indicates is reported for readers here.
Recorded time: 3:52
